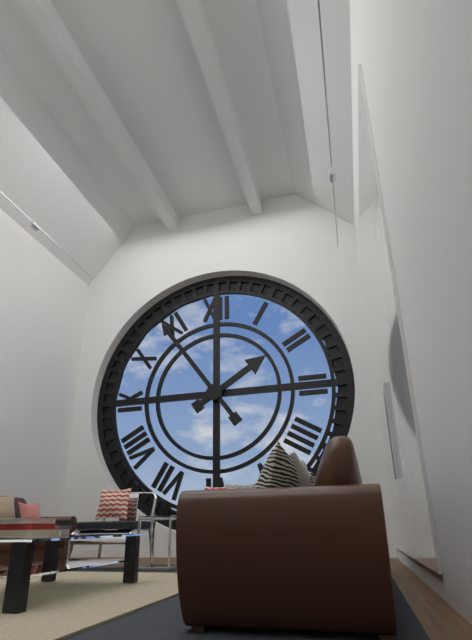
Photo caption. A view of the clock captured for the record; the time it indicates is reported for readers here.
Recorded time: 1:54
